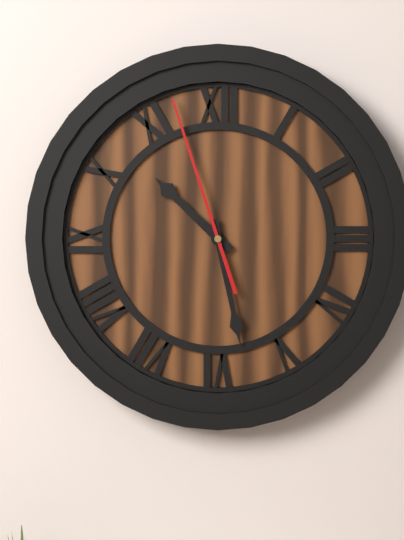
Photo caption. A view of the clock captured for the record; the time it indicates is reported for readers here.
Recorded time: 10:28:57
